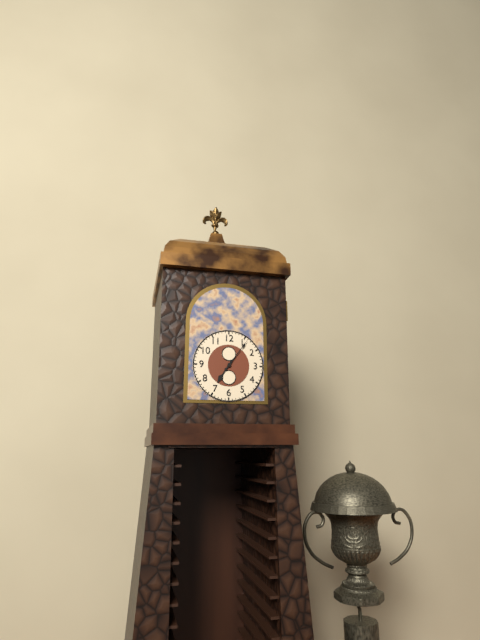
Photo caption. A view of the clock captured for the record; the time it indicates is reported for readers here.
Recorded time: 7:06
